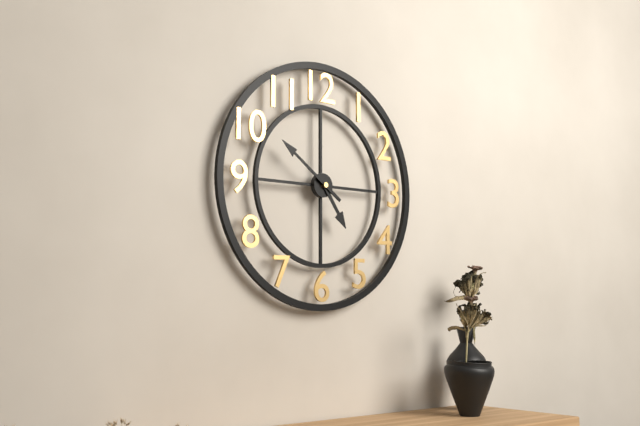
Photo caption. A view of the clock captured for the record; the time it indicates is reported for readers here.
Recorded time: 4:51
